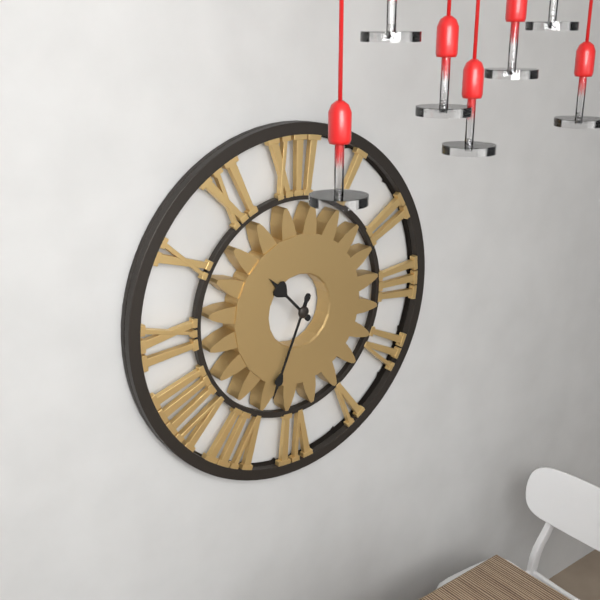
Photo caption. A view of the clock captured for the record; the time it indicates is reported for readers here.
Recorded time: 10:34
